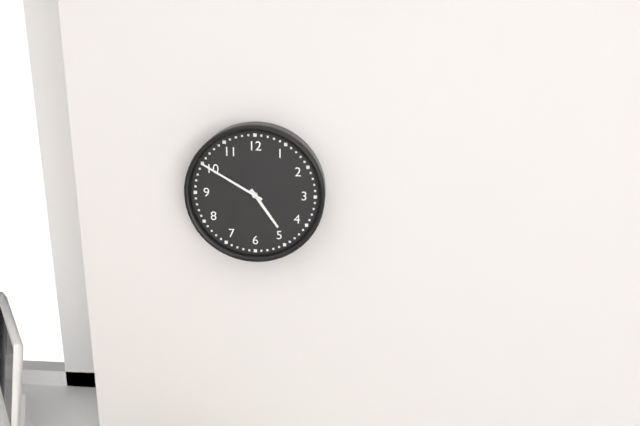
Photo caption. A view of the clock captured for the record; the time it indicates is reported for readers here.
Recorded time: 4:50
